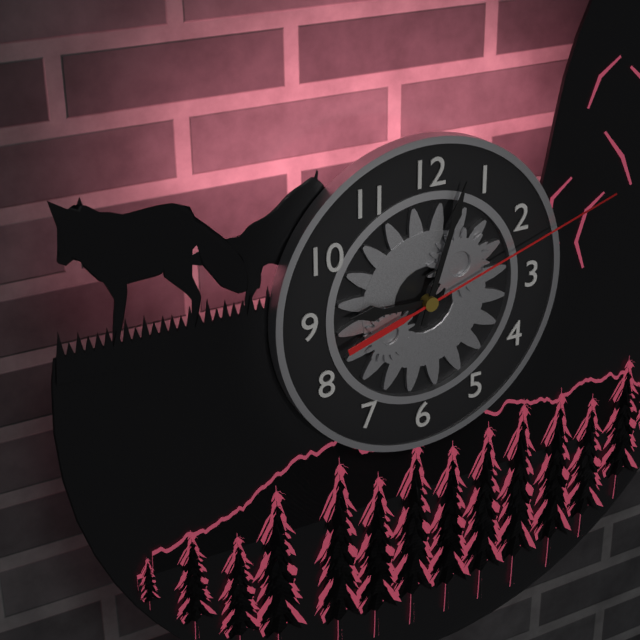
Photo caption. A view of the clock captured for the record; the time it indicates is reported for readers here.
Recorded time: 9:03:12
